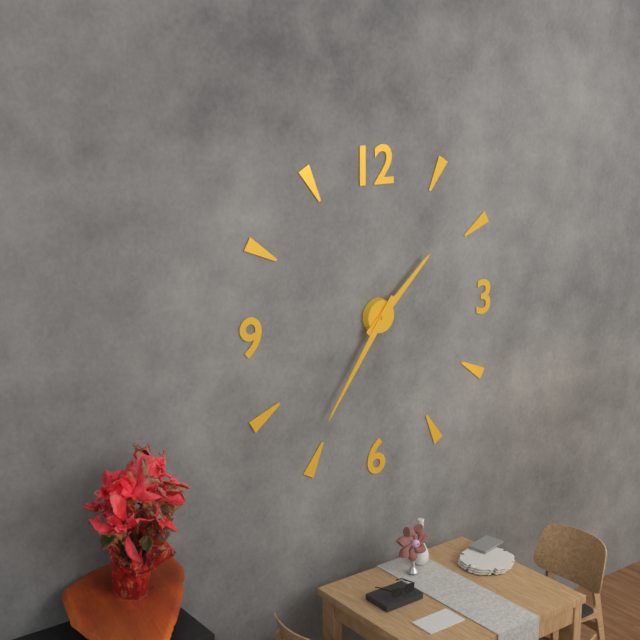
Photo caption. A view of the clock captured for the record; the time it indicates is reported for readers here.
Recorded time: 1:36
